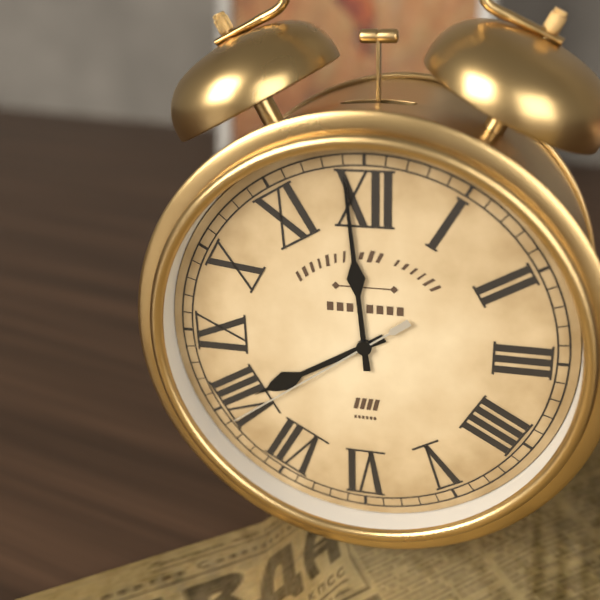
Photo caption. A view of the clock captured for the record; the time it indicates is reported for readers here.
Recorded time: 7:59:39
